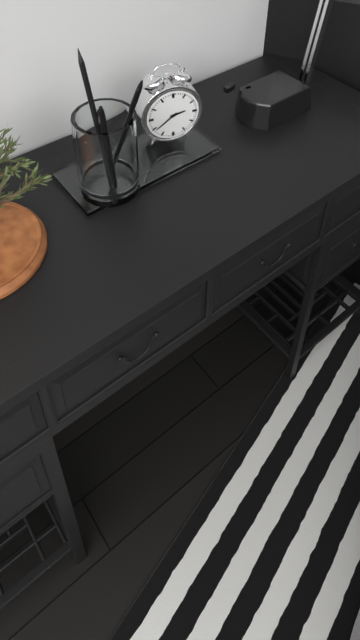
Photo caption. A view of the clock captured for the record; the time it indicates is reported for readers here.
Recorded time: 2:39
